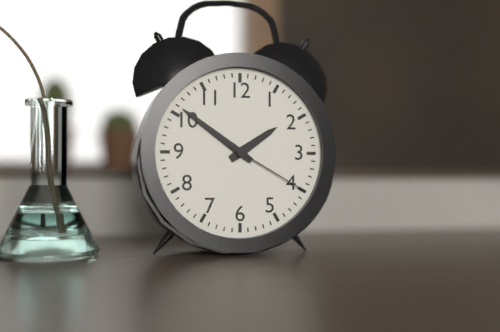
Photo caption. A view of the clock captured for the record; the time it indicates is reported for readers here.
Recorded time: 1:51:20
